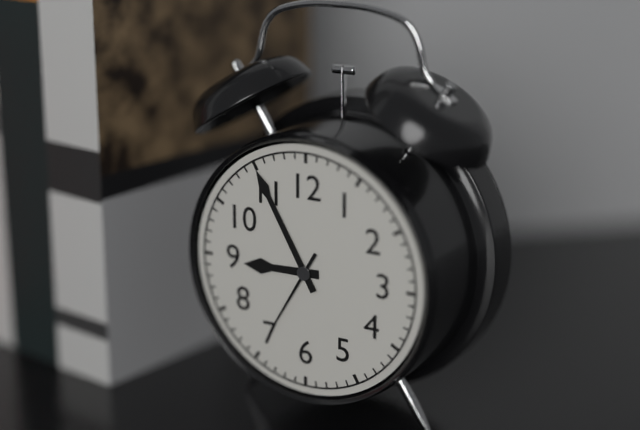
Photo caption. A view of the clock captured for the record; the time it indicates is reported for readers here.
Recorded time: 8:55:35
